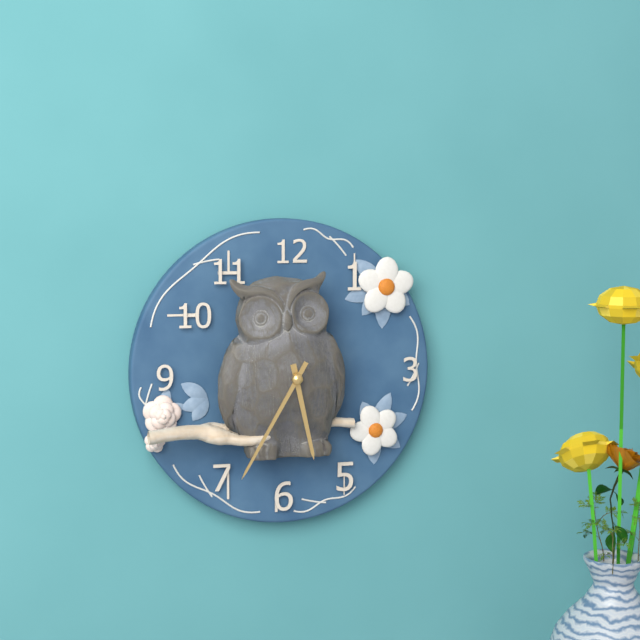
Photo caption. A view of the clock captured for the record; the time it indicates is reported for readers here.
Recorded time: 5:35
